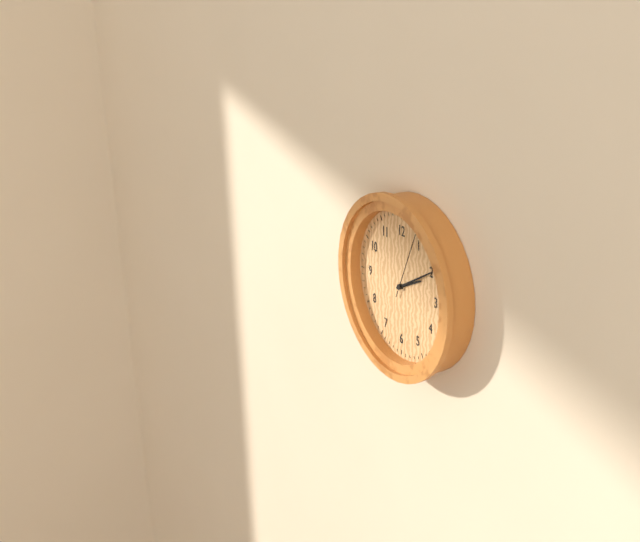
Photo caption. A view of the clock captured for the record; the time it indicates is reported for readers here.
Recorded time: 2:10:04
